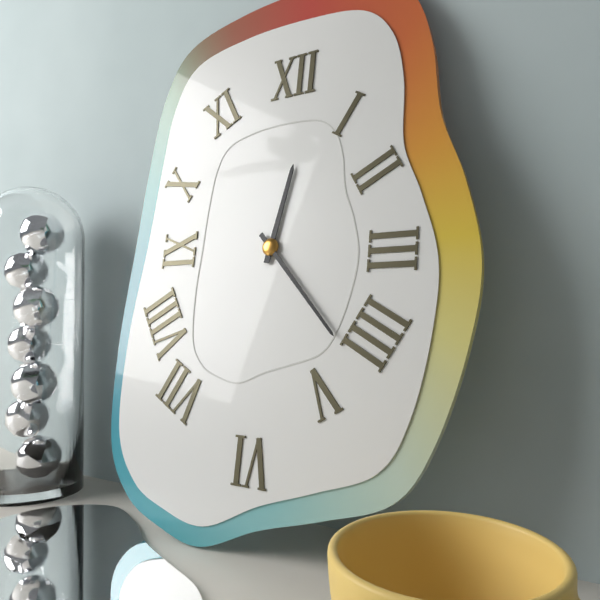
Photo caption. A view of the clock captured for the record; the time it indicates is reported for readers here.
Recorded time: 12:23
